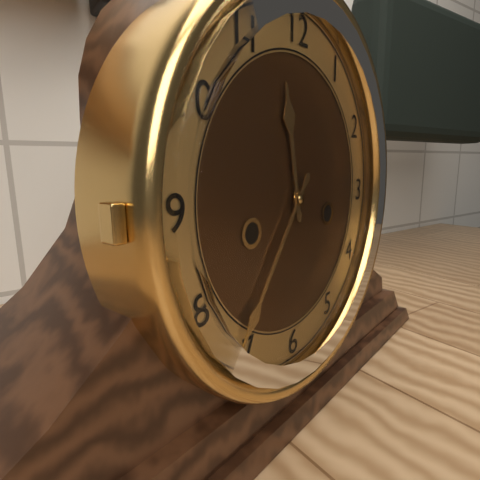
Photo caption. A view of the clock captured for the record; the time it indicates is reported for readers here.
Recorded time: 11:36
